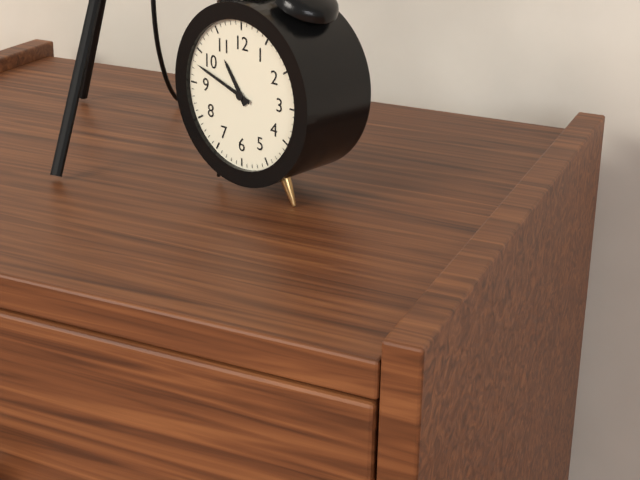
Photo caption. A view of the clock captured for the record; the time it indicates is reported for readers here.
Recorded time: 10:48
